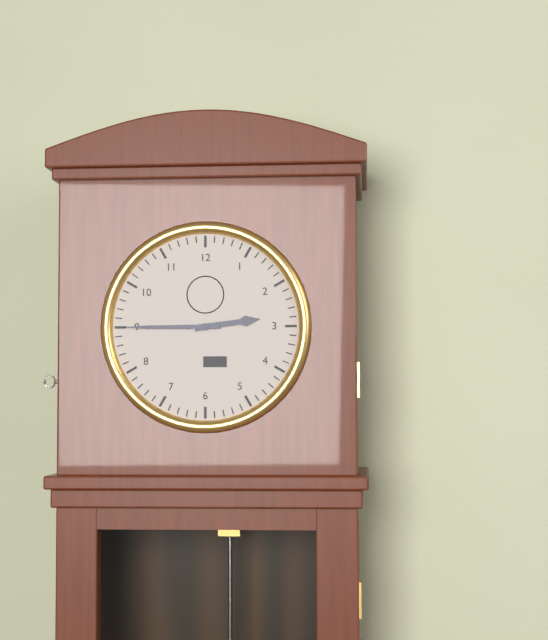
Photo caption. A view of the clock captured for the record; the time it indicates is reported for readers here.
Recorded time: 2:45
